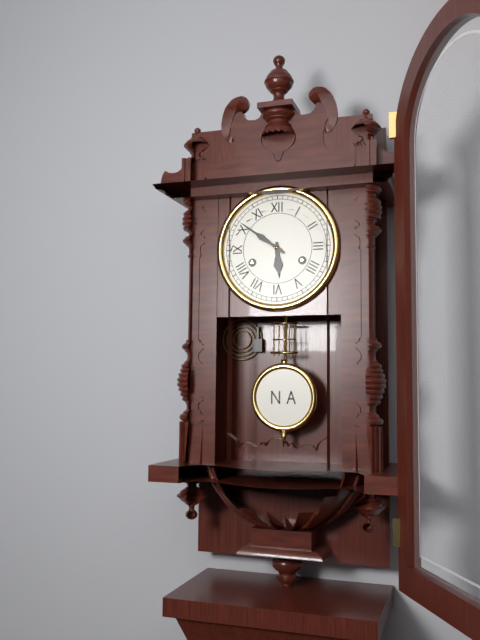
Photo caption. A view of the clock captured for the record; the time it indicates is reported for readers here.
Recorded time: 5:51
